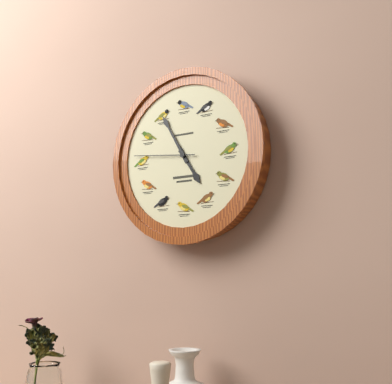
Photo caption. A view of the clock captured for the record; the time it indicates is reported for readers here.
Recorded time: 4:55:46
